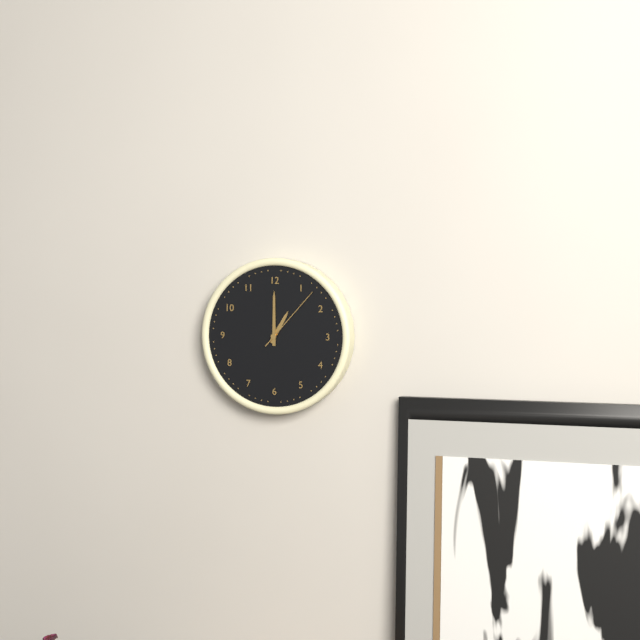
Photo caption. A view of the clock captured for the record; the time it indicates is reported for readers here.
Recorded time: 1:00:07
